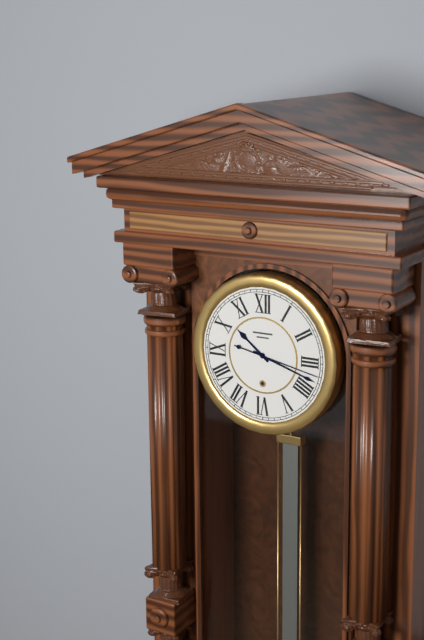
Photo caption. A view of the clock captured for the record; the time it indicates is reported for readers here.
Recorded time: 10:18:17
